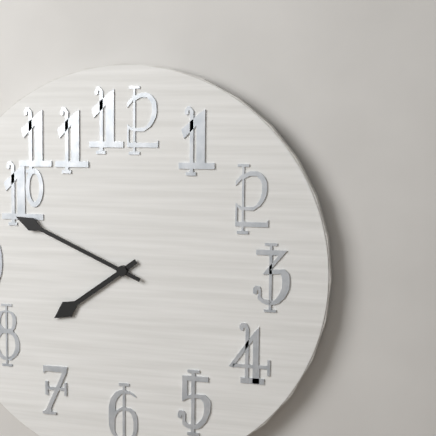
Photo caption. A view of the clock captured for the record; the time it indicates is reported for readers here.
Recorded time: 7:49
